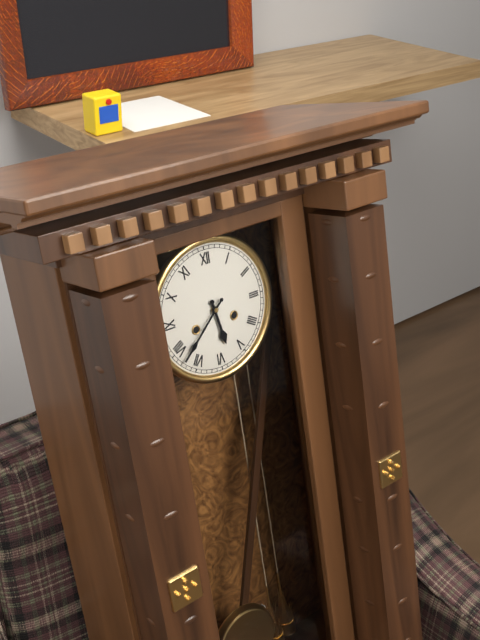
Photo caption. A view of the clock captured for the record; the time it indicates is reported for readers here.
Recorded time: 5:38
